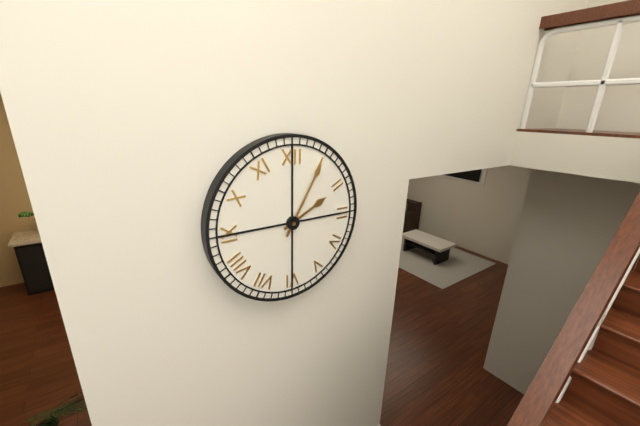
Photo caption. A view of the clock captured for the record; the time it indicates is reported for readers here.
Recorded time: 2:05
